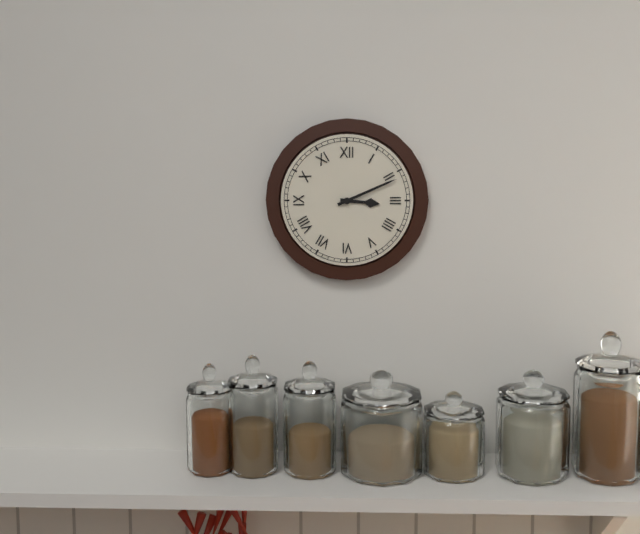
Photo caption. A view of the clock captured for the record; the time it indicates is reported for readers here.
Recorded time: 3:11
